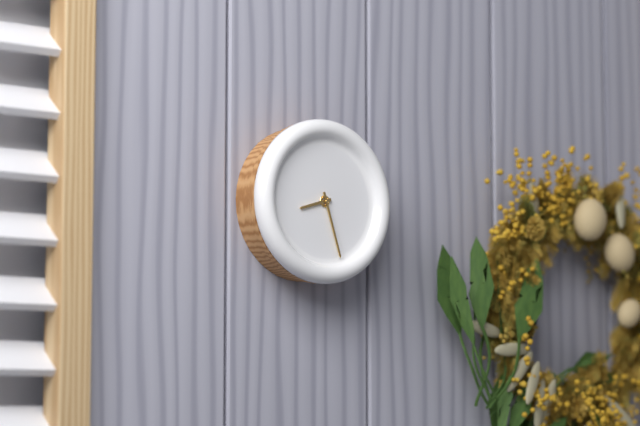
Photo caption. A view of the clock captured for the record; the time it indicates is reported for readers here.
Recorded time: 8:27
